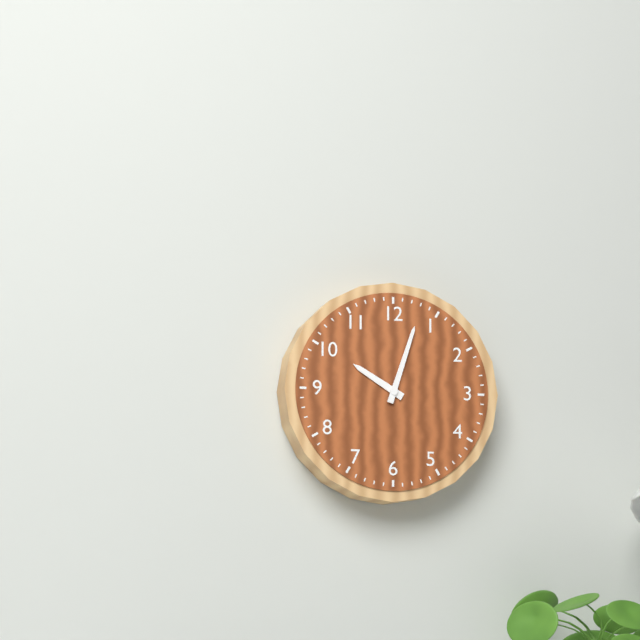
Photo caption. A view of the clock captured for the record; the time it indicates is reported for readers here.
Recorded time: 10:03
